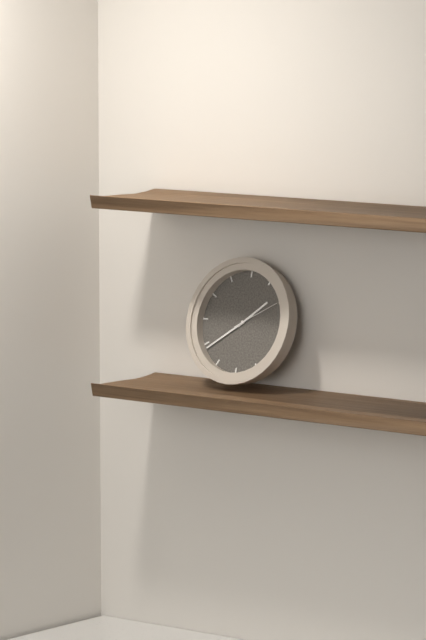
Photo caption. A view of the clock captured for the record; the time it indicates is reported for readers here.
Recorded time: 1:39
